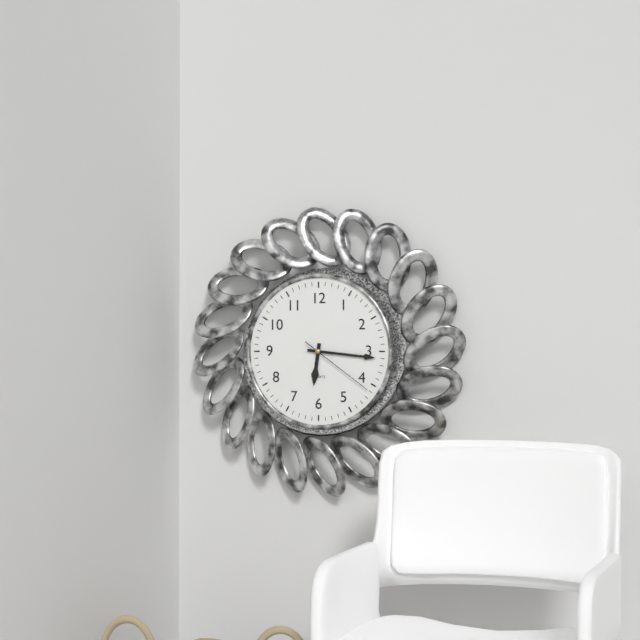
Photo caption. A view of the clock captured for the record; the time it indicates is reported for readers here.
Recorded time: 6:16:21
